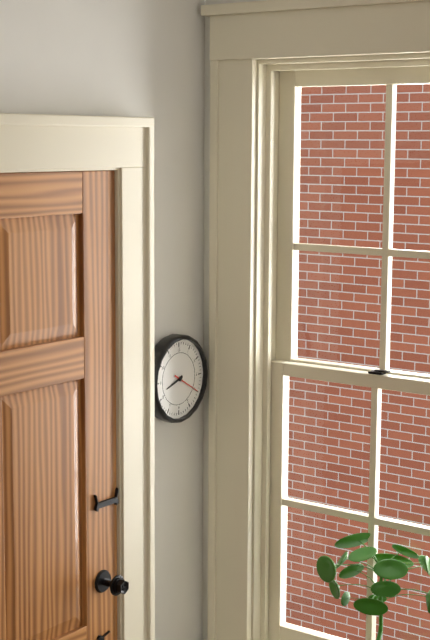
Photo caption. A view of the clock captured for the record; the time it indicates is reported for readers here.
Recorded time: 8:20
